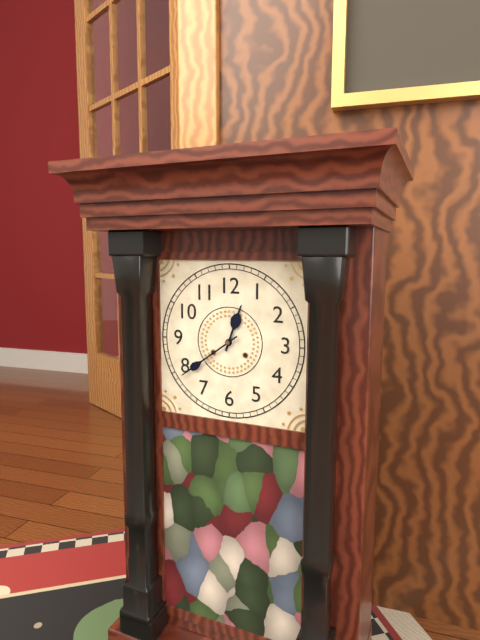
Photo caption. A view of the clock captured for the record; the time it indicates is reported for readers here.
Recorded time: 12:39
